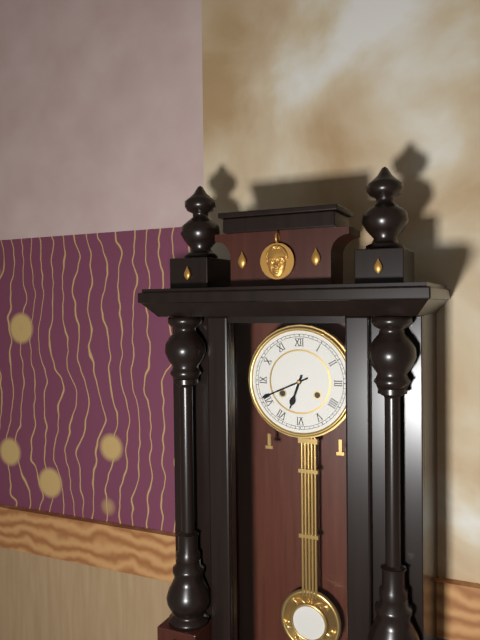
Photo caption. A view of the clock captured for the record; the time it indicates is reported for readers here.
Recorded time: 6:41
